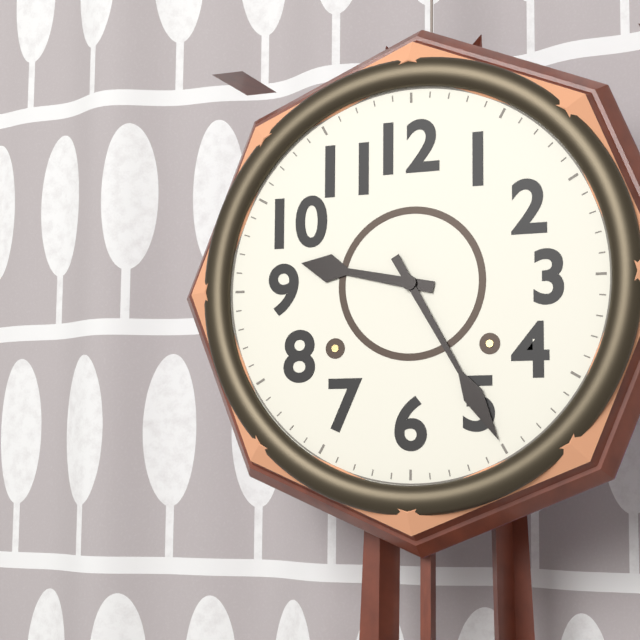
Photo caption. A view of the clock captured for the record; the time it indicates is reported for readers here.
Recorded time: 9:25
